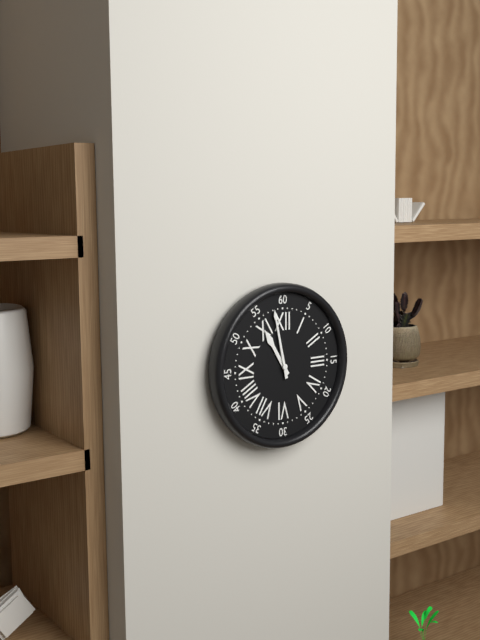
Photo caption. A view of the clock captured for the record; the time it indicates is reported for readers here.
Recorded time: 10:58
